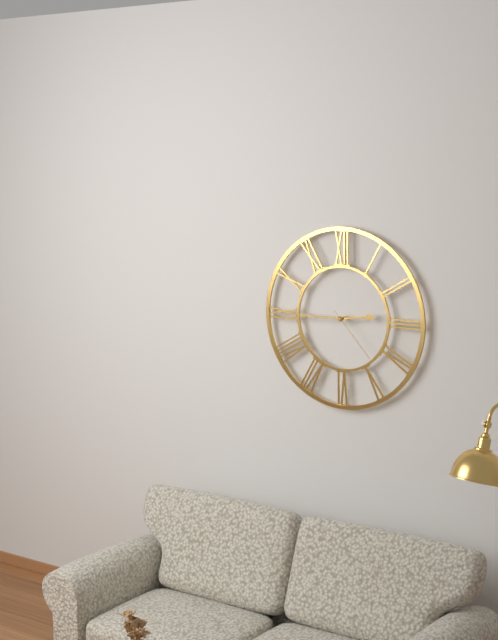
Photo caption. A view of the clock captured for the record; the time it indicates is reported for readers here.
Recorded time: 2:45:23
